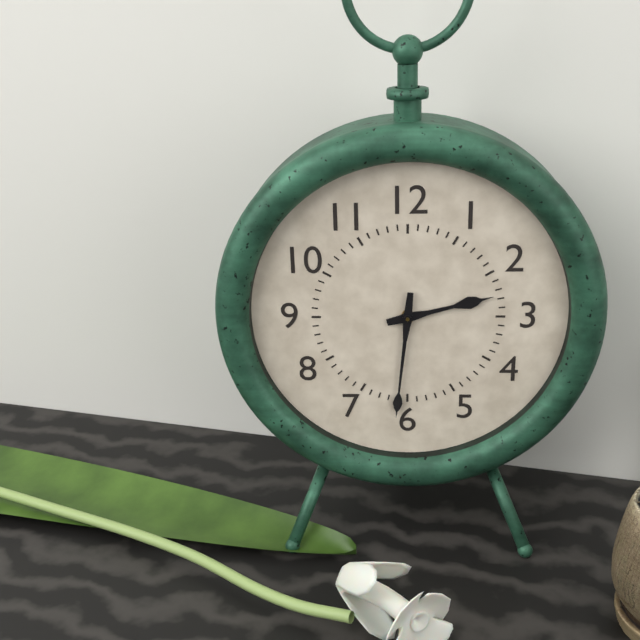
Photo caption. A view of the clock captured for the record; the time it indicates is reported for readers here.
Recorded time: 2:31
